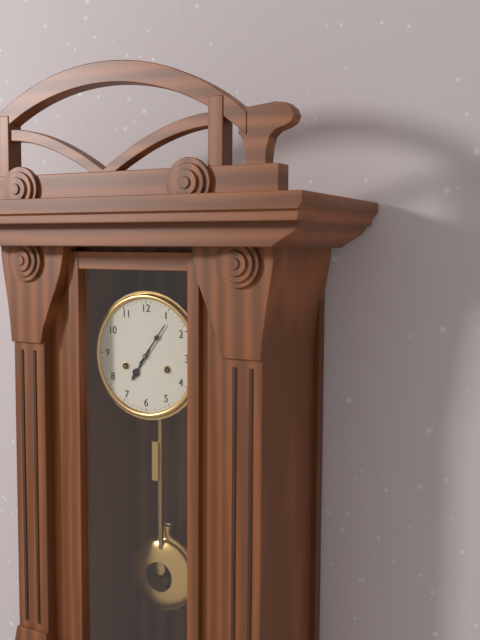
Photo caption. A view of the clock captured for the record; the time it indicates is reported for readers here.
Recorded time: 7:06
